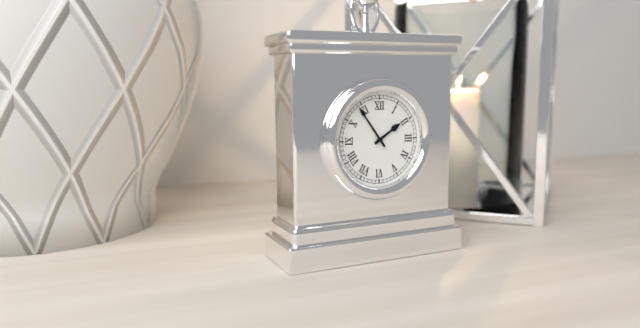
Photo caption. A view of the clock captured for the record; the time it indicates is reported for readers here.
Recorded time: 1:54
